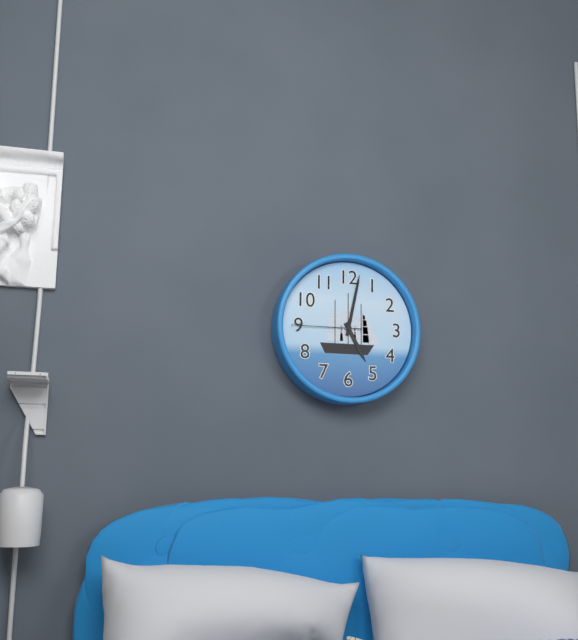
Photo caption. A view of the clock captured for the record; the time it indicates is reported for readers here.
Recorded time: 5:02:45
